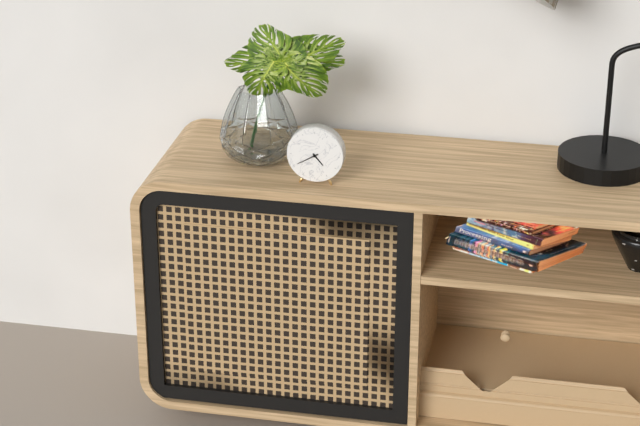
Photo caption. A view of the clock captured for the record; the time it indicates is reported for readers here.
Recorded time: 4:40
